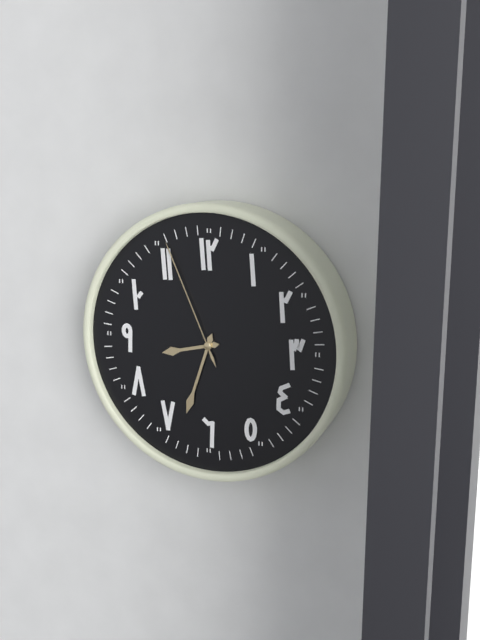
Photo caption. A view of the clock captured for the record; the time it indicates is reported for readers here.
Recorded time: 8:33:56
